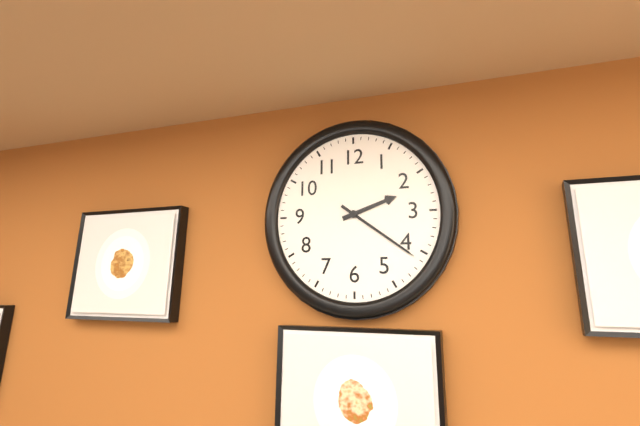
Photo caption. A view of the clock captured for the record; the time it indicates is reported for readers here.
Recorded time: 2:21
